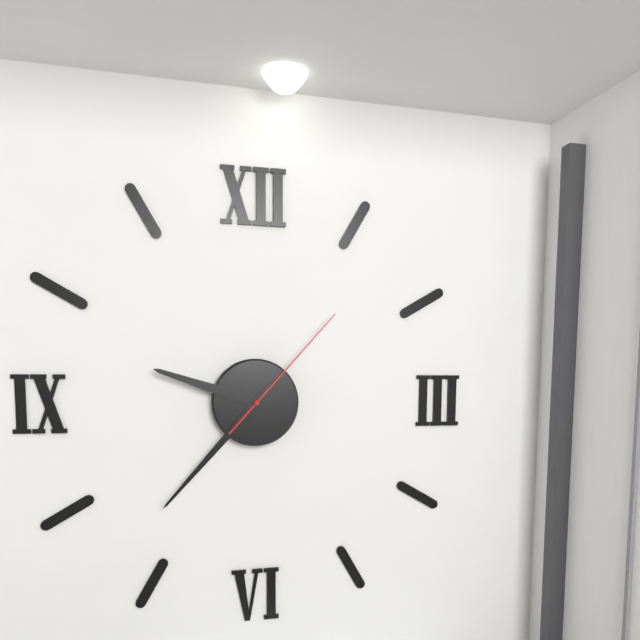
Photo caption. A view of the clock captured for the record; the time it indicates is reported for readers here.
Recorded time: 9:37:07
